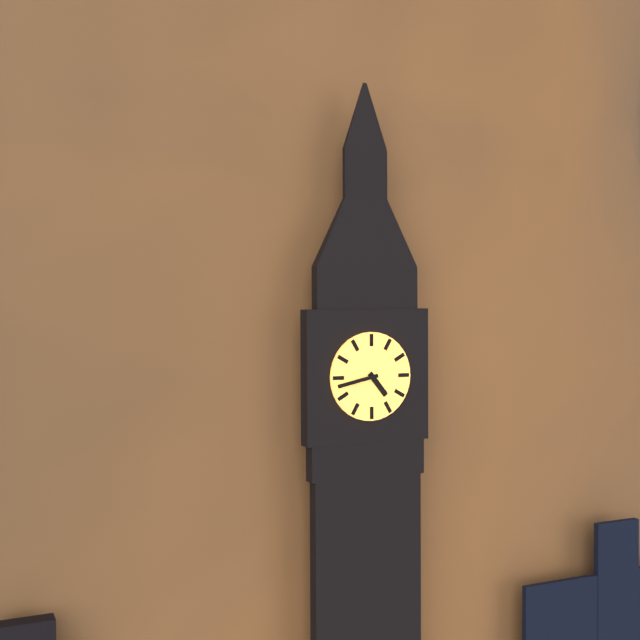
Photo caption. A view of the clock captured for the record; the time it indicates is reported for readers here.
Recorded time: 4:43
